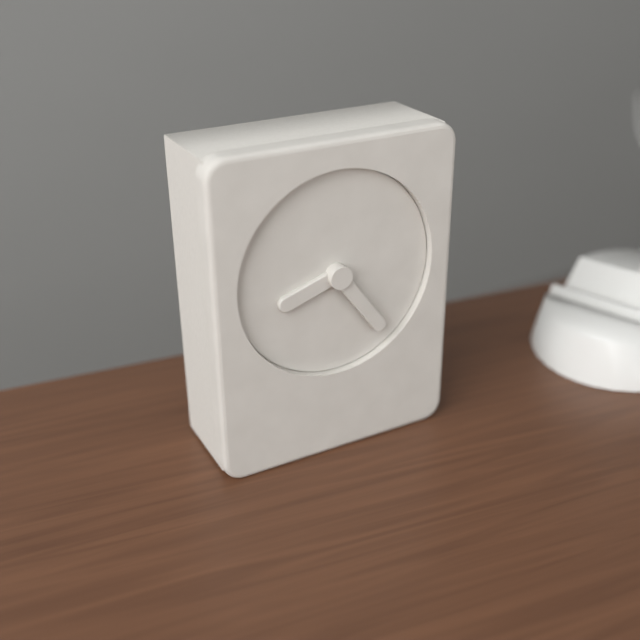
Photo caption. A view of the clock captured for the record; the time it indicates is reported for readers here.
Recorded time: 8:24
